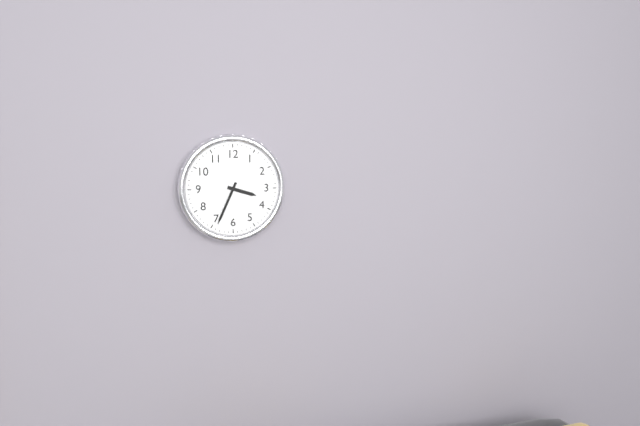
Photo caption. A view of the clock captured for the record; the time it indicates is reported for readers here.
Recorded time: 3:34
